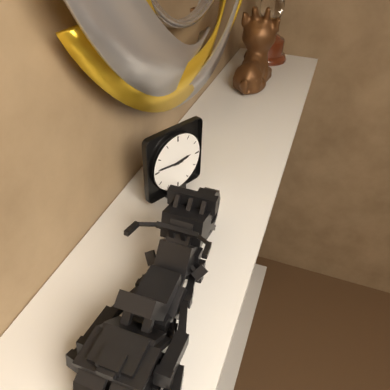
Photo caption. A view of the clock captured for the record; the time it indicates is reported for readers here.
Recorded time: 2:46
